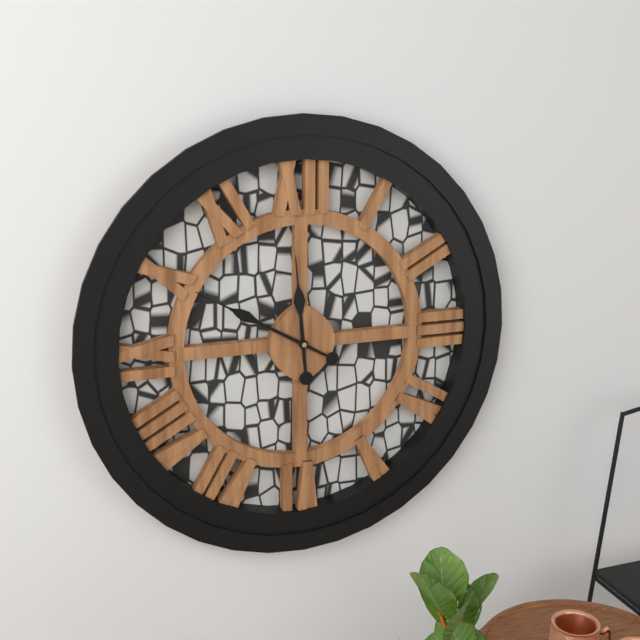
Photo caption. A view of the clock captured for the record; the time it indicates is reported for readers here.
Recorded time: 11:50
